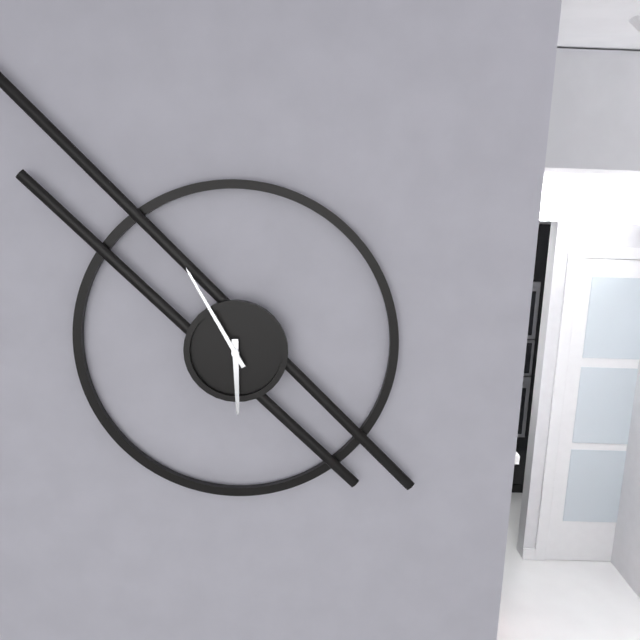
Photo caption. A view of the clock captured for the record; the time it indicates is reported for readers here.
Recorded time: 5:55
